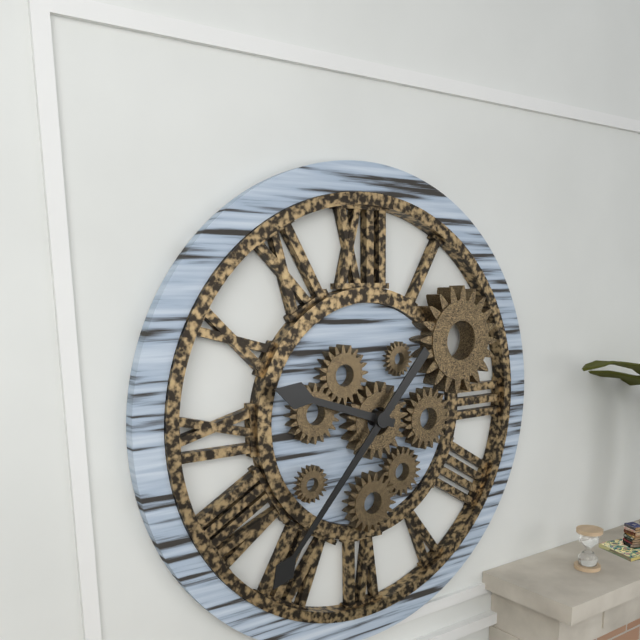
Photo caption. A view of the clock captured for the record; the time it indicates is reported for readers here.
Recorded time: 9:37
